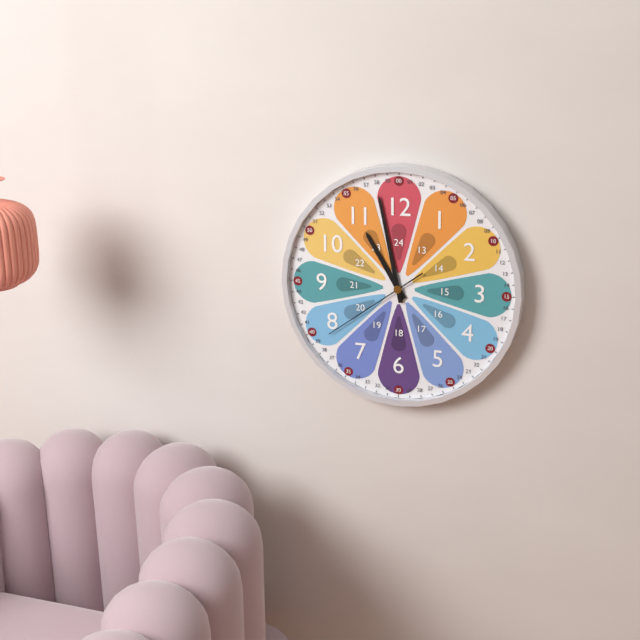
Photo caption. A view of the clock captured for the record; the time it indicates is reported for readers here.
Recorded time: 10:58:39
